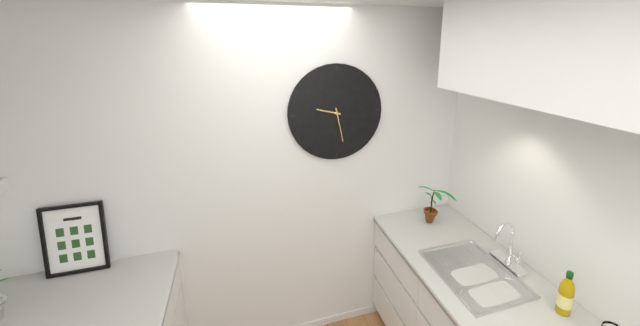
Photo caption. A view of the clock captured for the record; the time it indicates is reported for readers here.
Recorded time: 9:28
